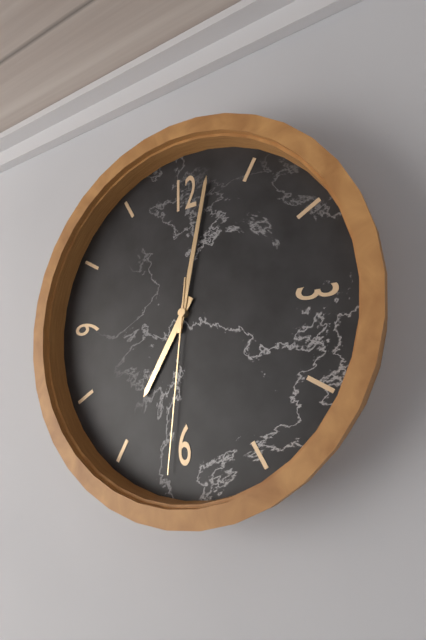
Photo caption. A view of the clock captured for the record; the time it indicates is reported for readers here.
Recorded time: 7:02:31
